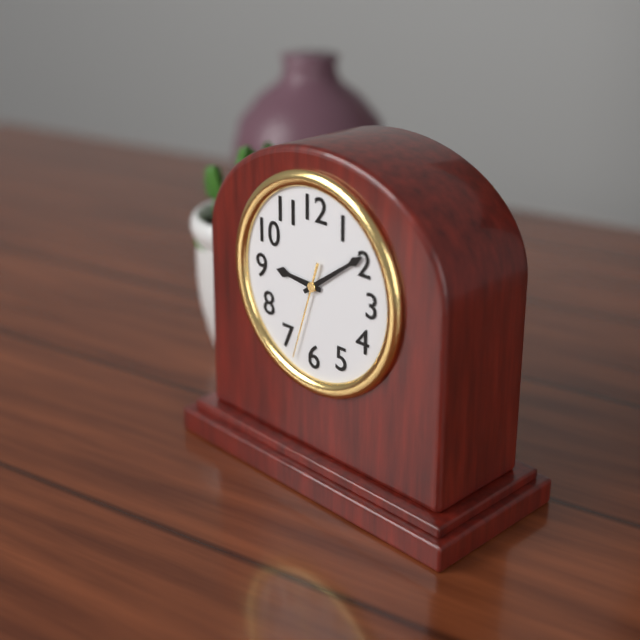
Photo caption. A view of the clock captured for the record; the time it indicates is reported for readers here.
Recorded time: 9:09:33
